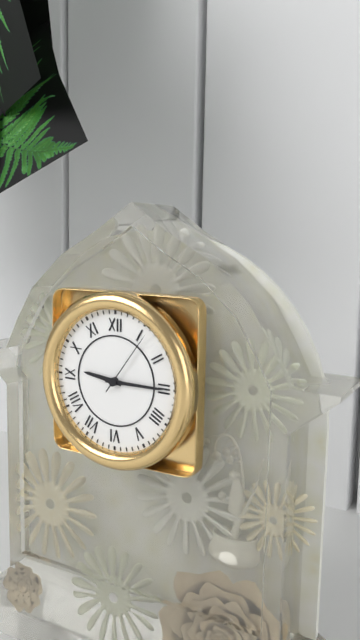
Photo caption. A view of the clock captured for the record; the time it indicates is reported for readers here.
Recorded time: 9:15:06
